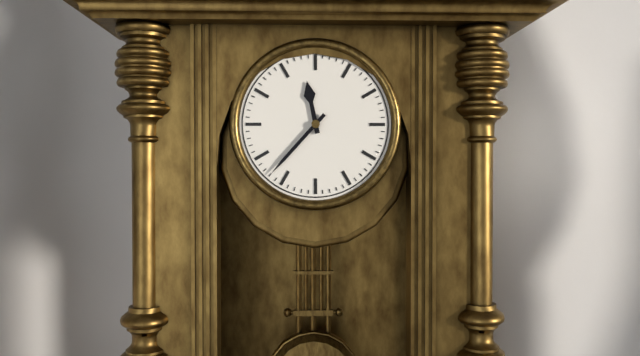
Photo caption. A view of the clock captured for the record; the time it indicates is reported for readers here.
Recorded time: 11:37
